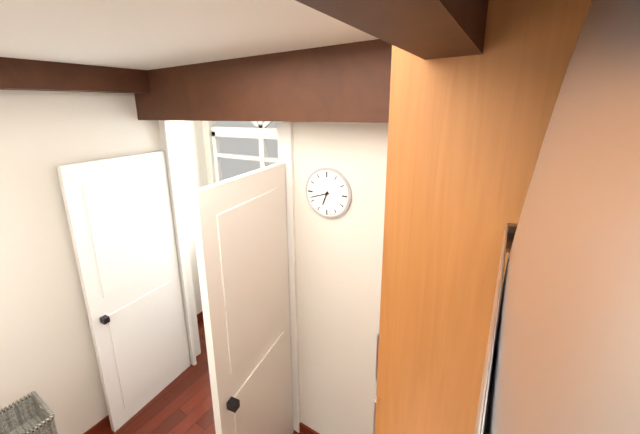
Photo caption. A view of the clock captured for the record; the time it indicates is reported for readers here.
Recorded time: 6:42
